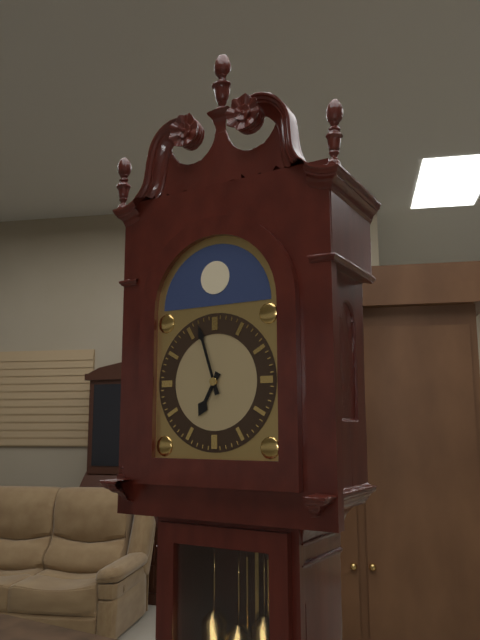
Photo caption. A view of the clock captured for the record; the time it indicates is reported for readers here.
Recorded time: 6:57
